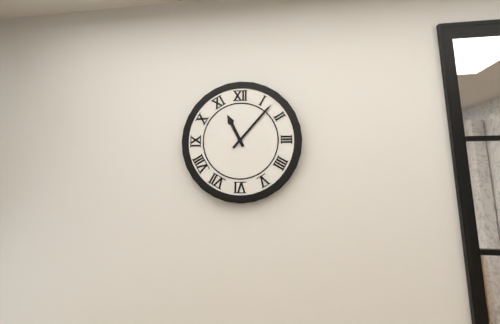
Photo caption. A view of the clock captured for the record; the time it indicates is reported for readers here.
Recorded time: 11:07
